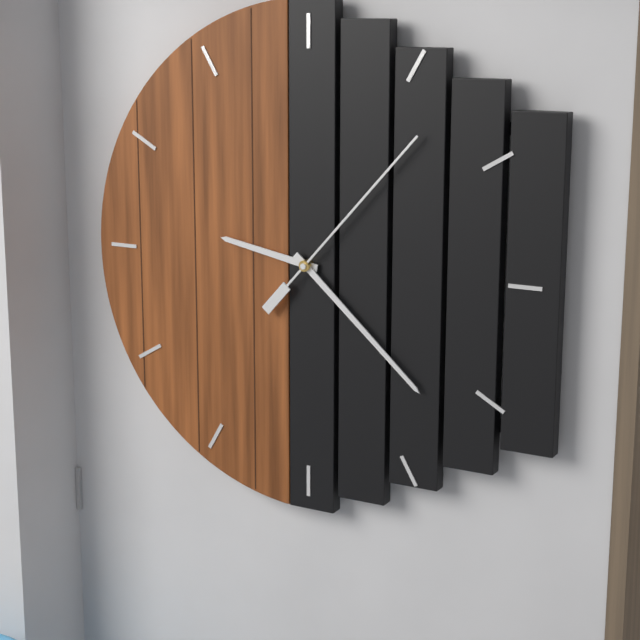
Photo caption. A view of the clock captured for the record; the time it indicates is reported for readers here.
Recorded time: 9:22:07
